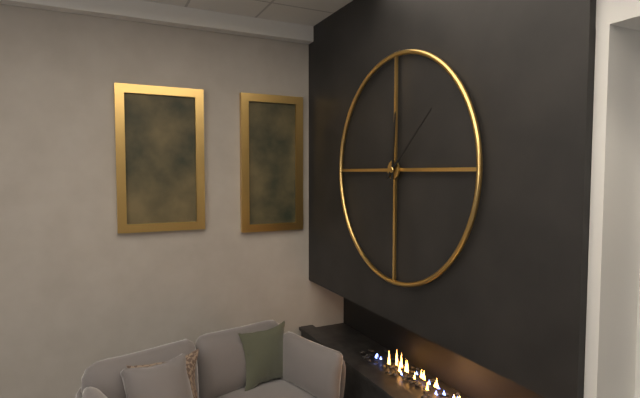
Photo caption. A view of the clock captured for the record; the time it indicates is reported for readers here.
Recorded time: 12:08
